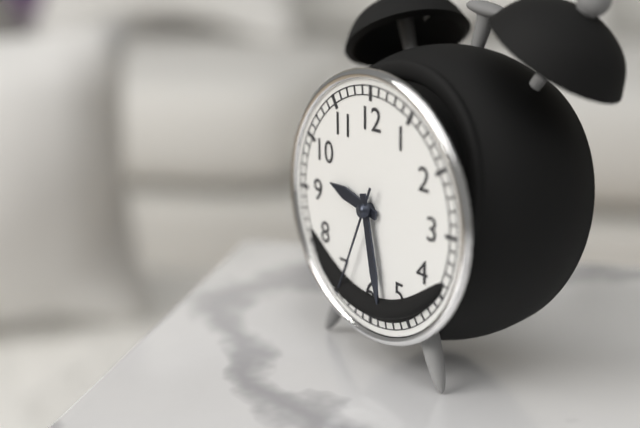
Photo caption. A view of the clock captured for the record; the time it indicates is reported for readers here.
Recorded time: 9:28:34
